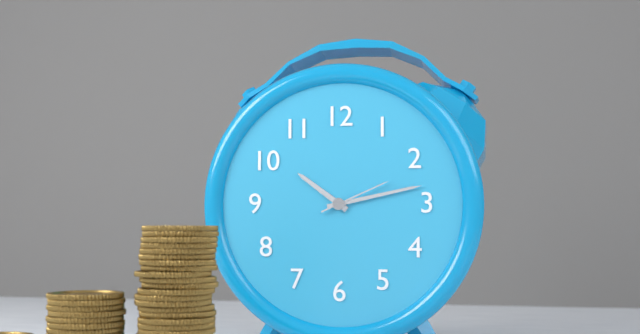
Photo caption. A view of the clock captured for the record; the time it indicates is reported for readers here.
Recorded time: 10:13:11
